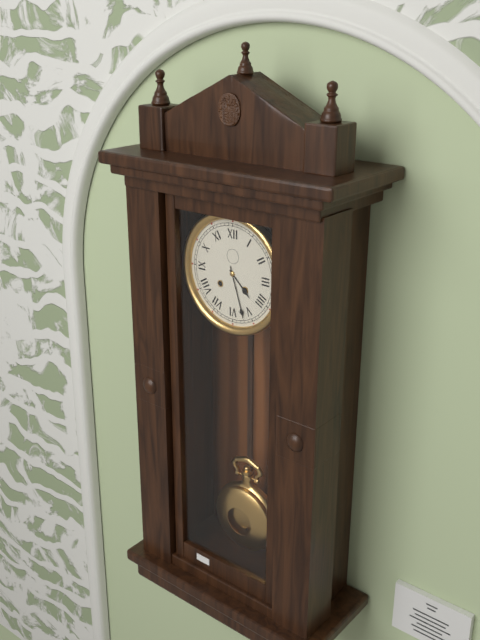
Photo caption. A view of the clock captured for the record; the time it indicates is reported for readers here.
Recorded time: 4:27
